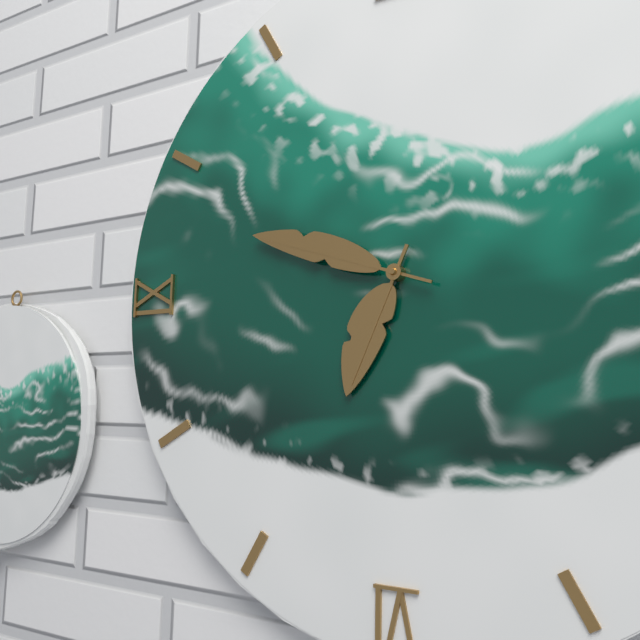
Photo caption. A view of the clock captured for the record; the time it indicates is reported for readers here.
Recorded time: 6:48
